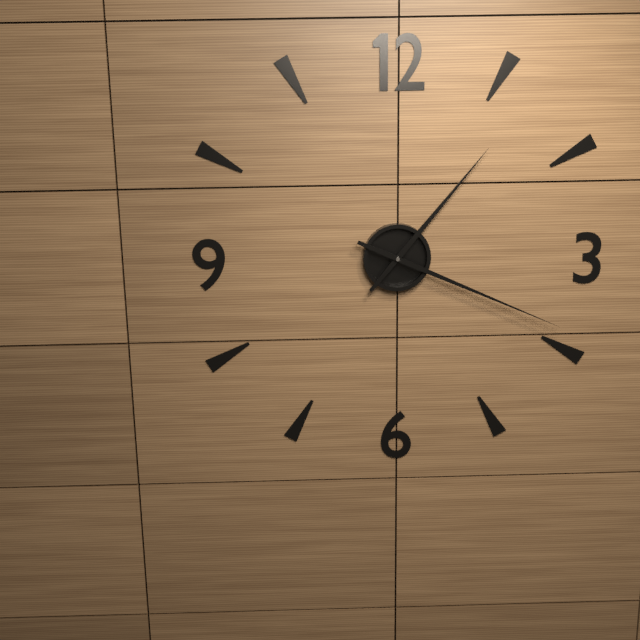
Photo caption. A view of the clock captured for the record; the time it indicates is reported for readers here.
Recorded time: 1:19
